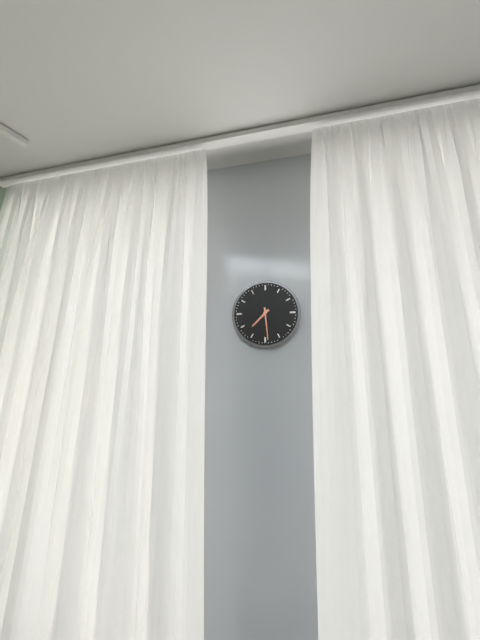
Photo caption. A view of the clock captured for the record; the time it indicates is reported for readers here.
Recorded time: 7:29
